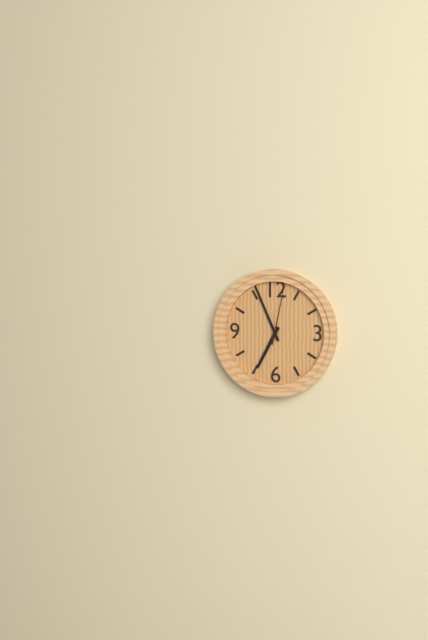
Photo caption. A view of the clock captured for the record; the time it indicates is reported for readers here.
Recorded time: 6:56:02
